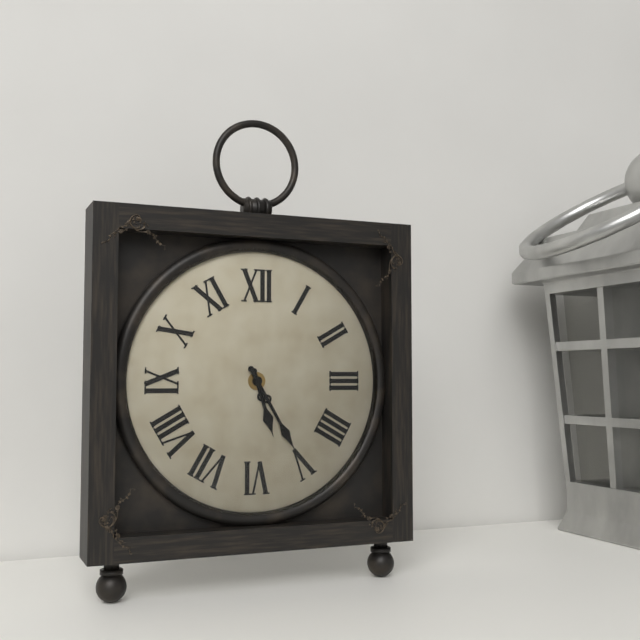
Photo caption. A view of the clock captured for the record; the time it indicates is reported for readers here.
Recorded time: 5:25
